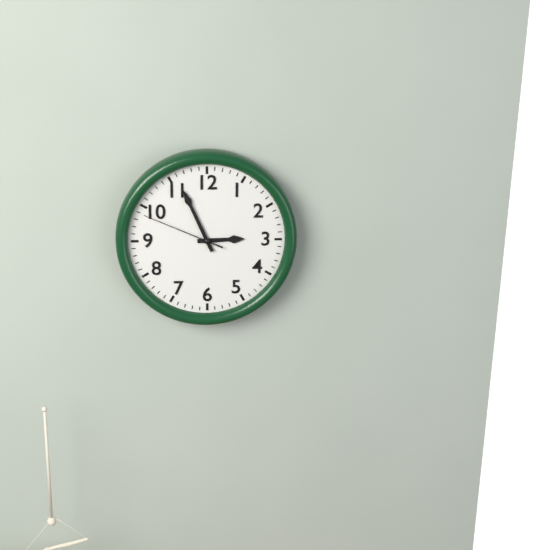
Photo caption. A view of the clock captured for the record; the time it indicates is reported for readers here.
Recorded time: 2:56:49
